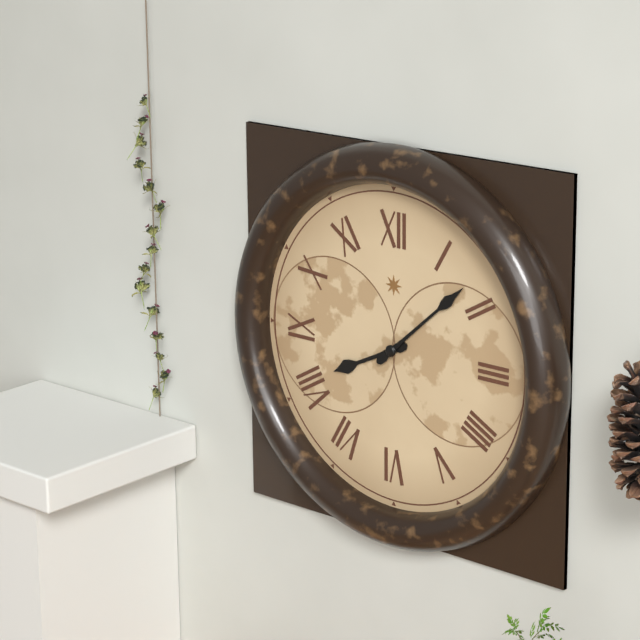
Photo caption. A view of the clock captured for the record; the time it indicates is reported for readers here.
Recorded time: 8:08
